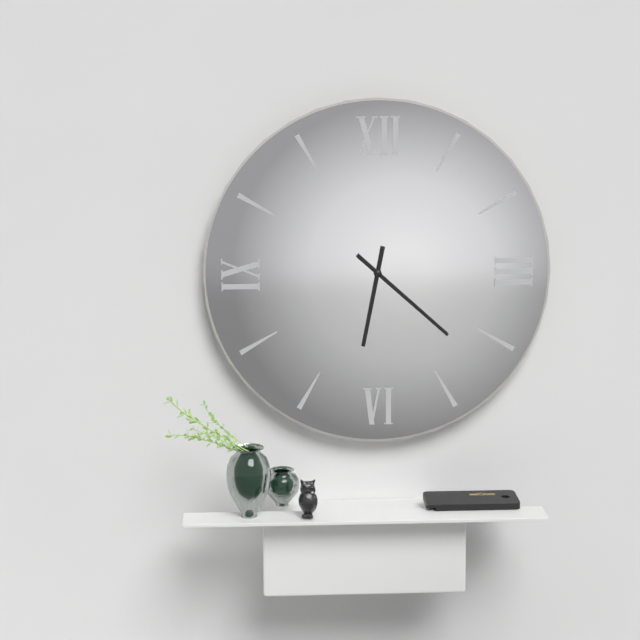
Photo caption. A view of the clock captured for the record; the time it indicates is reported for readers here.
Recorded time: 6:22
